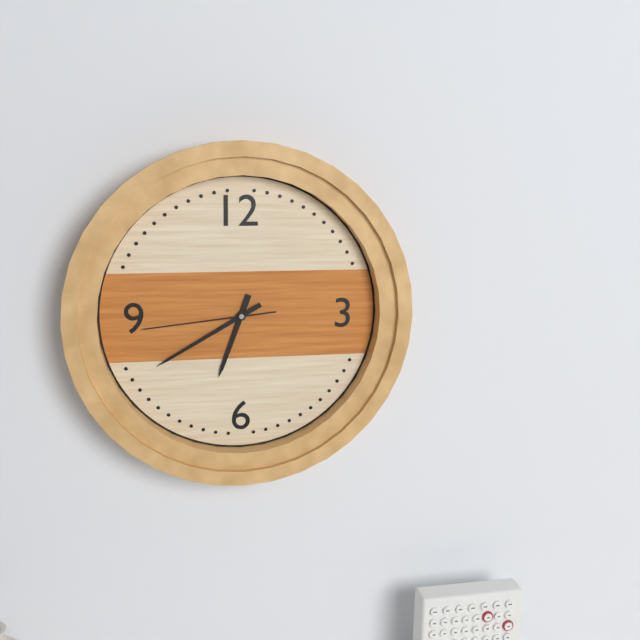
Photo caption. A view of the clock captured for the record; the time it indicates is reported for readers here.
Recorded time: 6:40:44
